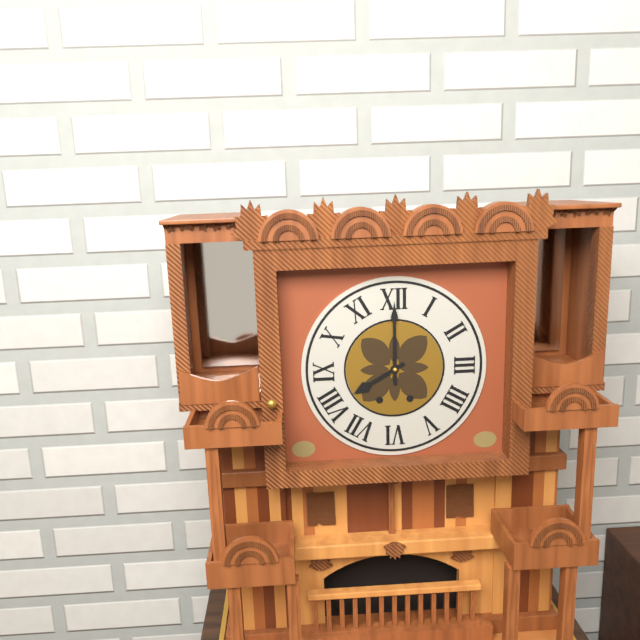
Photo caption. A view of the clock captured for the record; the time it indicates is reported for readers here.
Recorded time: 8:00
